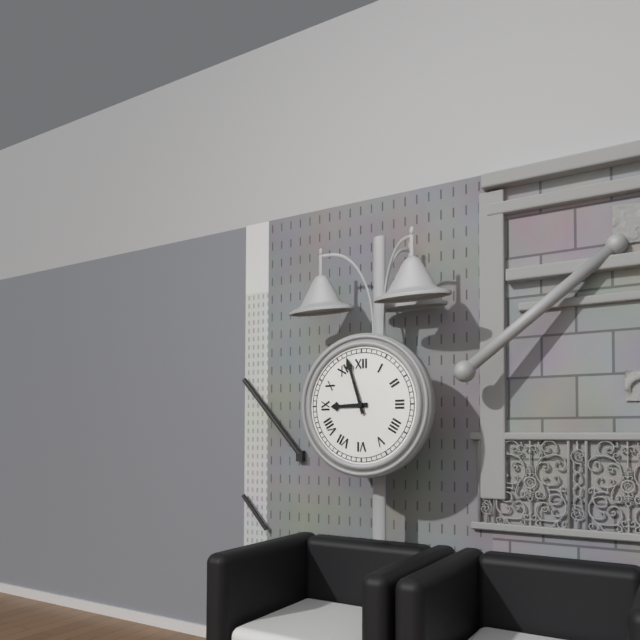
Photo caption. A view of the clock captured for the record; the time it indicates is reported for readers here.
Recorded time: 8:57
